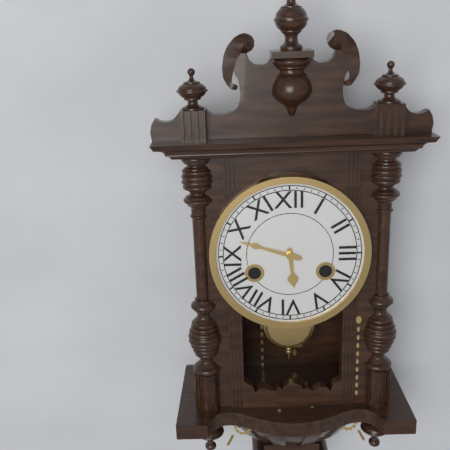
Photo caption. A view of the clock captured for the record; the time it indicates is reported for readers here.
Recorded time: 5:48
